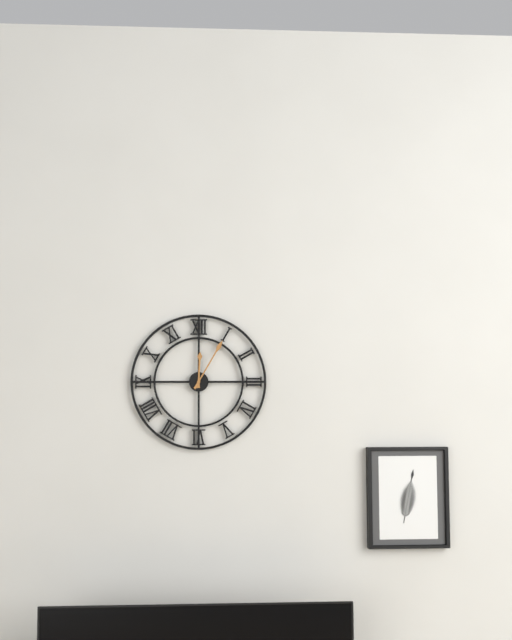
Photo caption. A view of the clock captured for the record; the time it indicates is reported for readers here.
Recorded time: 12:05
